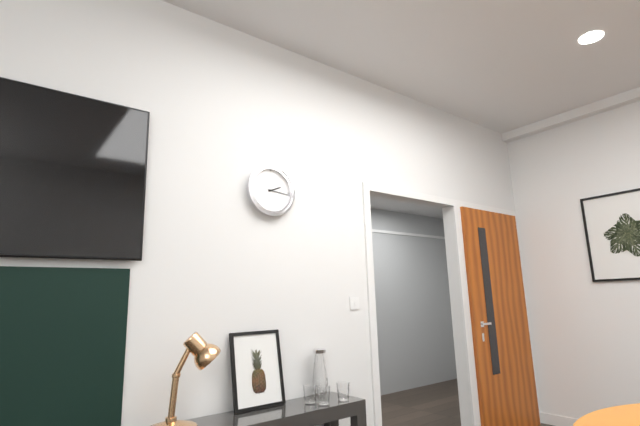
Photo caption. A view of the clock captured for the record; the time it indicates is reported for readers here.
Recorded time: 2:16
